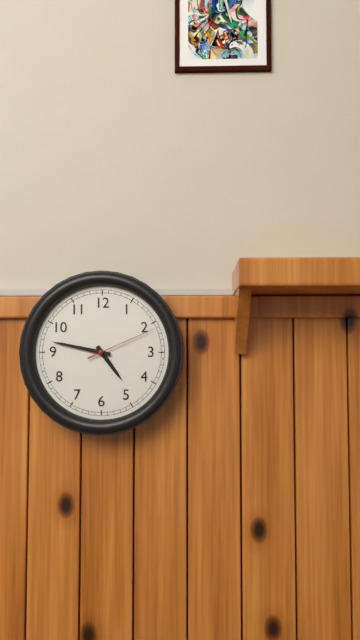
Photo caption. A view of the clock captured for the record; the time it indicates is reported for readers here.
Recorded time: 4:47:11
